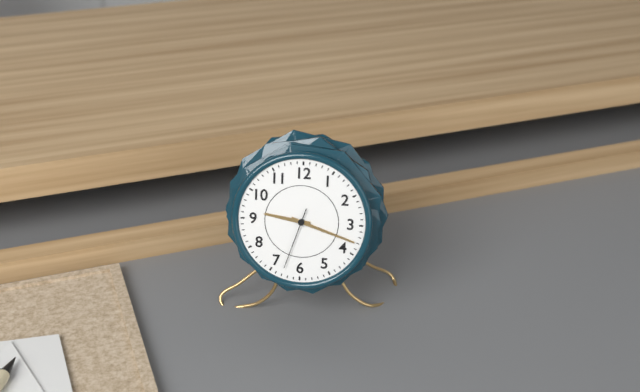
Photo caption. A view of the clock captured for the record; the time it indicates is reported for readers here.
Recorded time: 9:18:33
